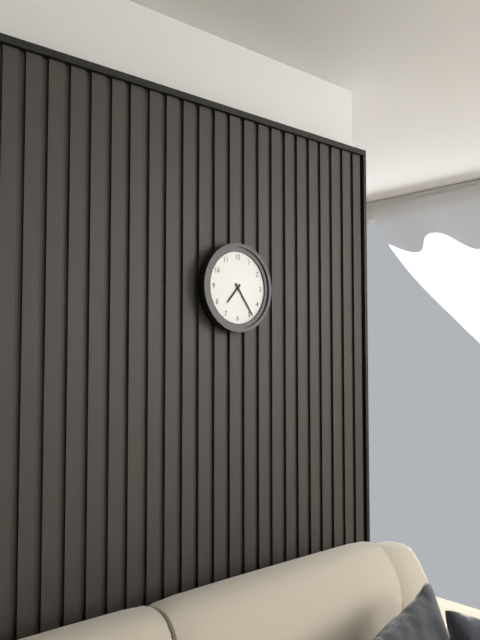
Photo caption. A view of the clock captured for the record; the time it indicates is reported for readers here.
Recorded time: 7:24
